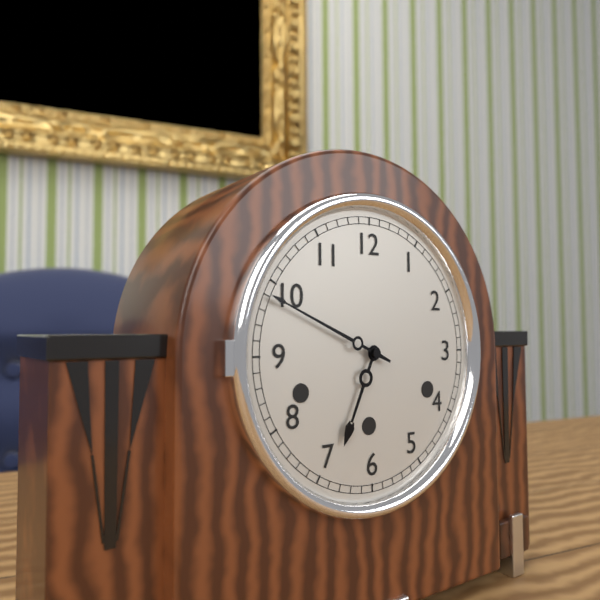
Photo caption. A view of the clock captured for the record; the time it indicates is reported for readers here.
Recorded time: 6:49
